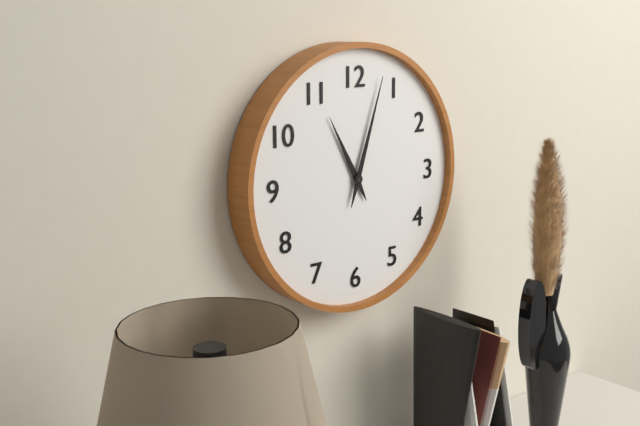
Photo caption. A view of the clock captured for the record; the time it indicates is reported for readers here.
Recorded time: 11:03
